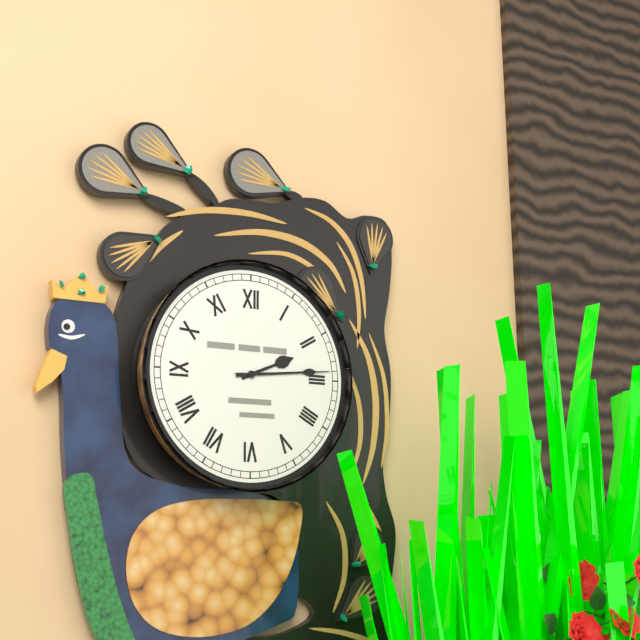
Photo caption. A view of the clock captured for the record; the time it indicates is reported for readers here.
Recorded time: 2:14
